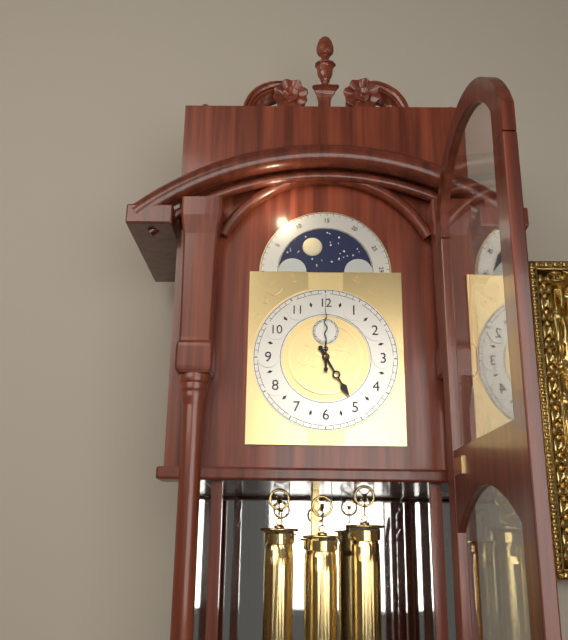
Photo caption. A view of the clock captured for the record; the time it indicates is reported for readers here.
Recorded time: 5:00
